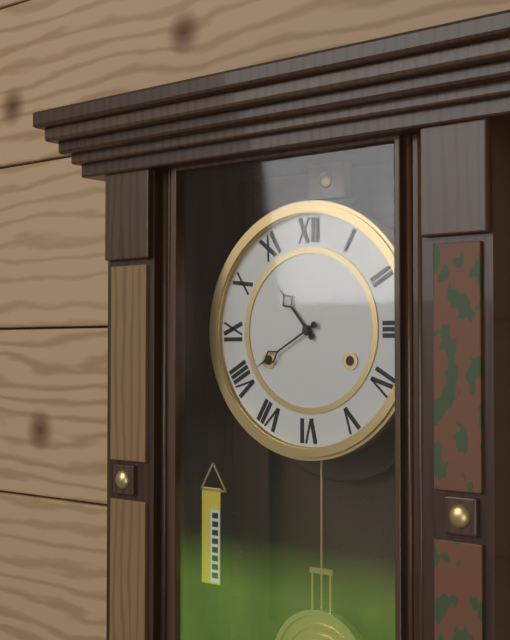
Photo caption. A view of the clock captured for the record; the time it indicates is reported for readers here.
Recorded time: 10:40
